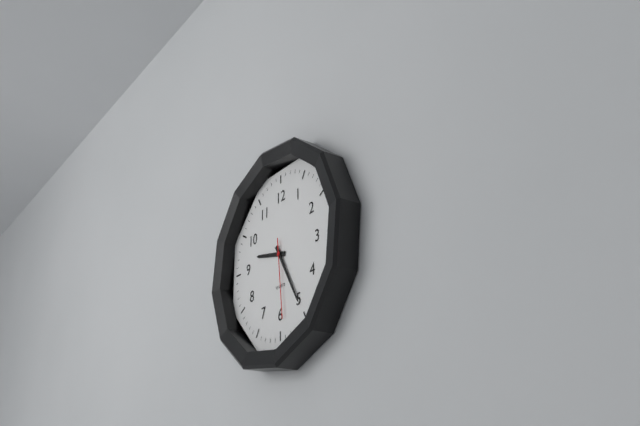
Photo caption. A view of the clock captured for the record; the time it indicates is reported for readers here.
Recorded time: 9:25:29
